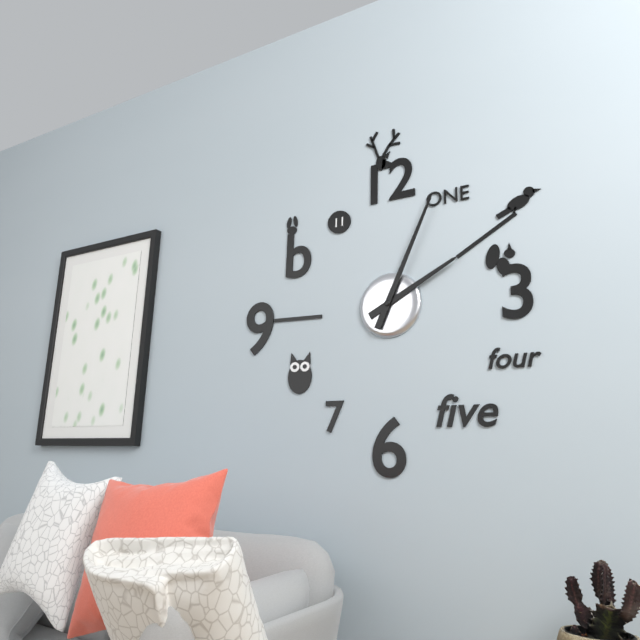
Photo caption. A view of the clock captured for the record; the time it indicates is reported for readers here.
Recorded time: 2:04
